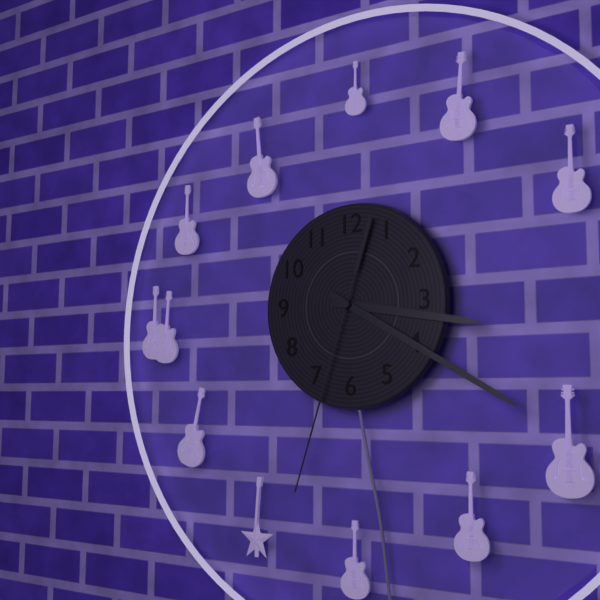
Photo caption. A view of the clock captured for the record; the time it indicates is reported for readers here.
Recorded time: 3:20:33
